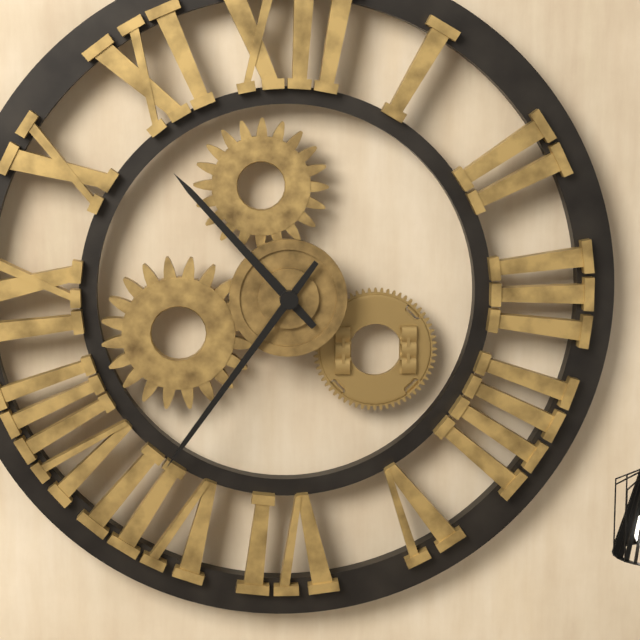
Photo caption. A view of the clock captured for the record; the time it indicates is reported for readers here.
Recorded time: 10:36
